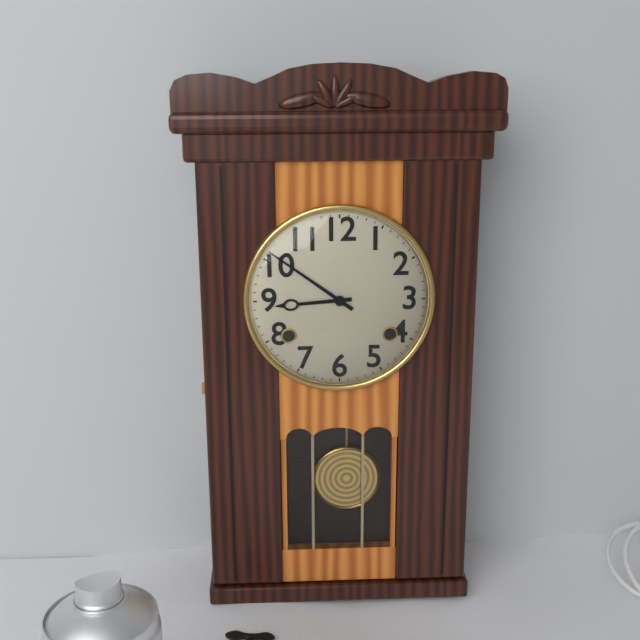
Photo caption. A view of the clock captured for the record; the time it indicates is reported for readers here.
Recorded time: 8:51
